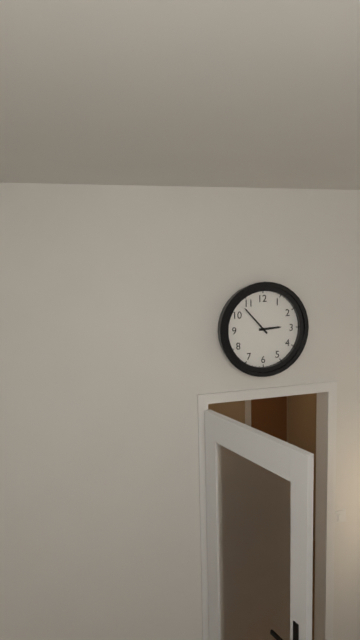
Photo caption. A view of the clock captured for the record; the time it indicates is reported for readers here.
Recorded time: 2:53
